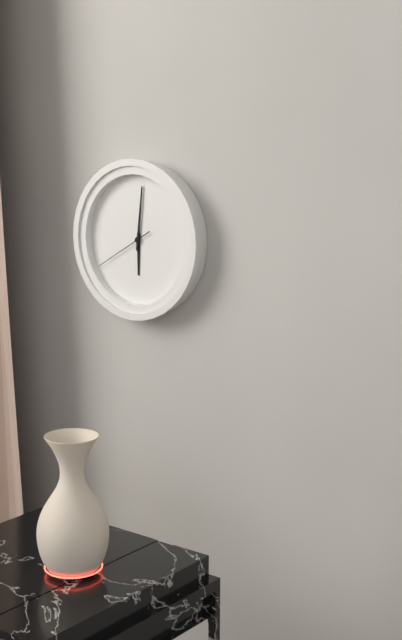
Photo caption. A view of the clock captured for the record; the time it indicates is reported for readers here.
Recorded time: 6:01:40
